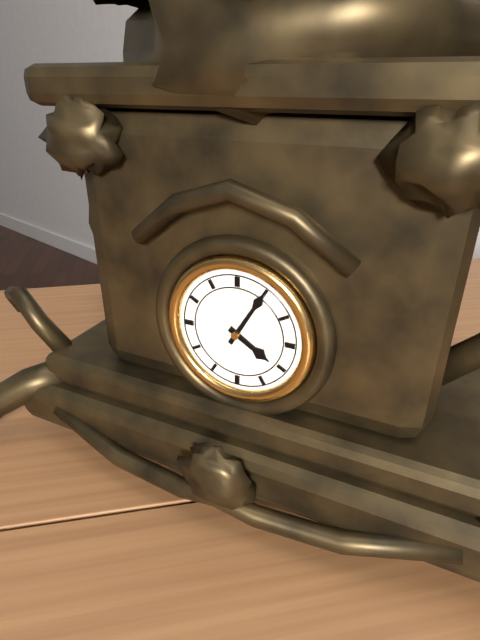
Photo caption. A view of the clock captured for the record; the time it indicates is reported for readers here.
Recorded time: 4:05
